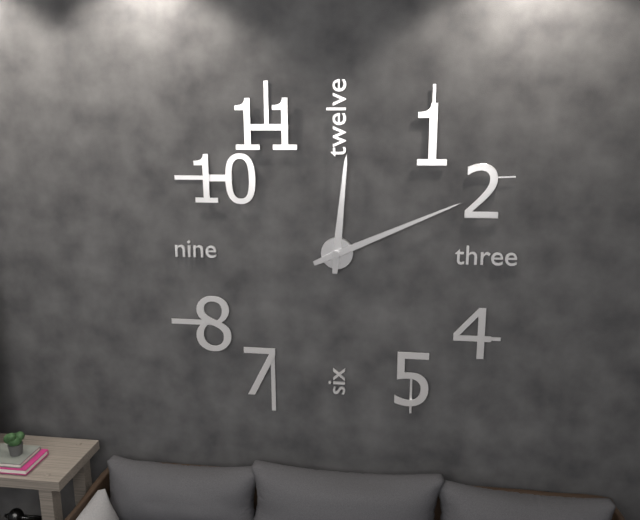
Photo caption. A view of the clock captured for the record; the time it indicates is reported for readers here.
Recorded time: 12:11
